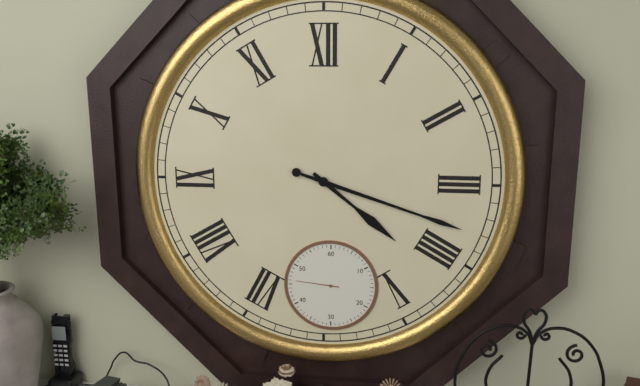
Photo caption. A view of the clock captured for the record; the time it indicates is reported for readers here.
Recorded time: 4:18
